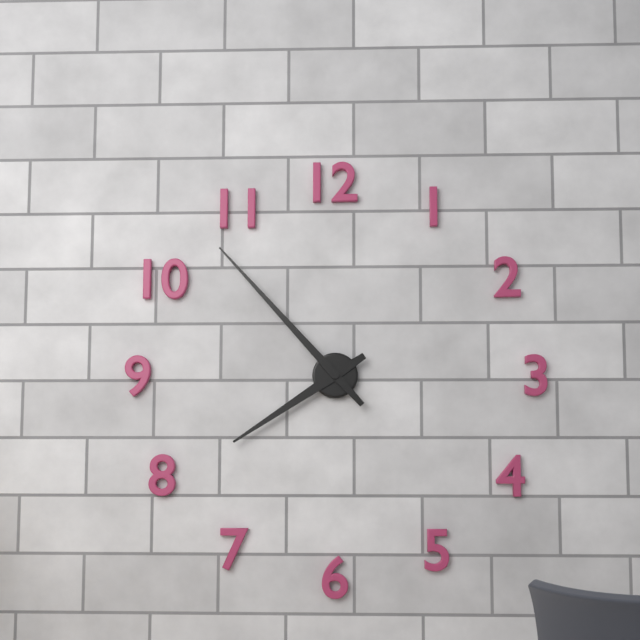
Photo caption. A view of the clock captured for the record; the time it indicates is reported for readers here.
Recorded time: 7:53
